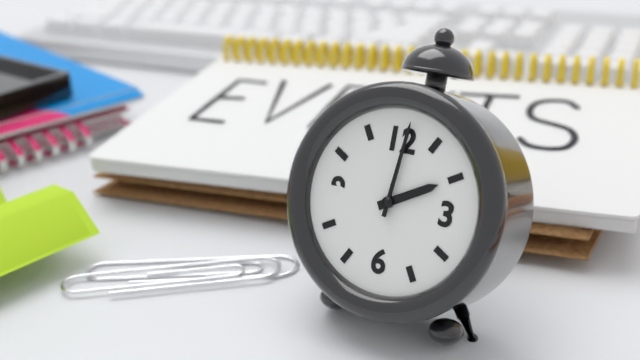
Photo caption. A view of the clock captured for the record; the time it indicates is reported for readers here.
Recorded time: 2:01
